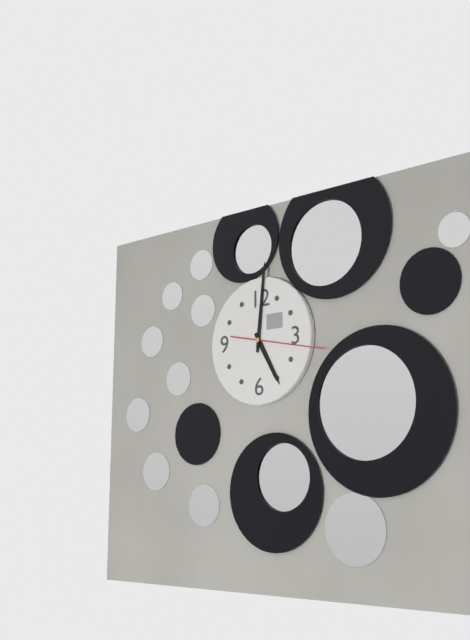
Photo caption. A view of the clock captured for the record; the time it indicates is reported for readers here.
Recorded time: 5:01:17
